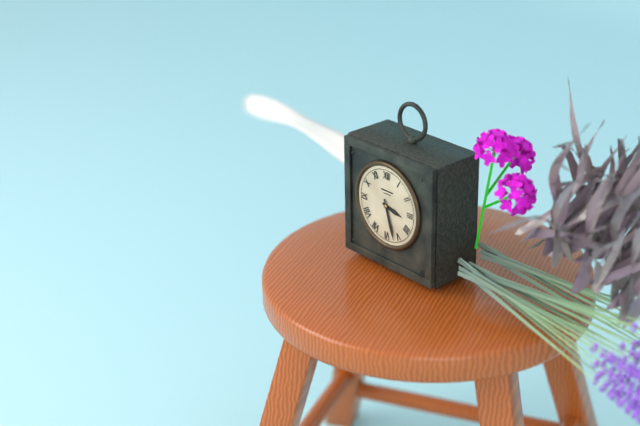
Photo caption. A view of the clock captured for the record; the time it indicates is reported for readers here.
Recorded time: 3:27
